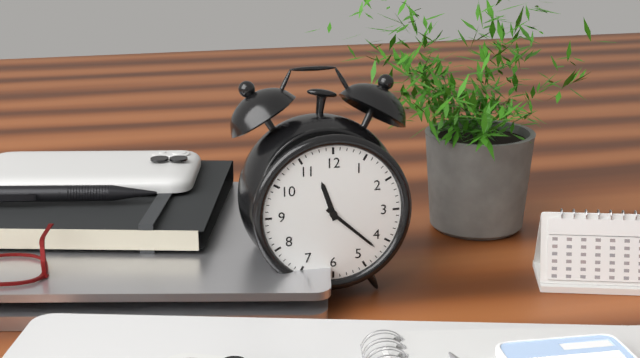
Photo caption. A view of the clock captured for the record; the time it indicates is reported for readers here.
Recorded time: 11:22
